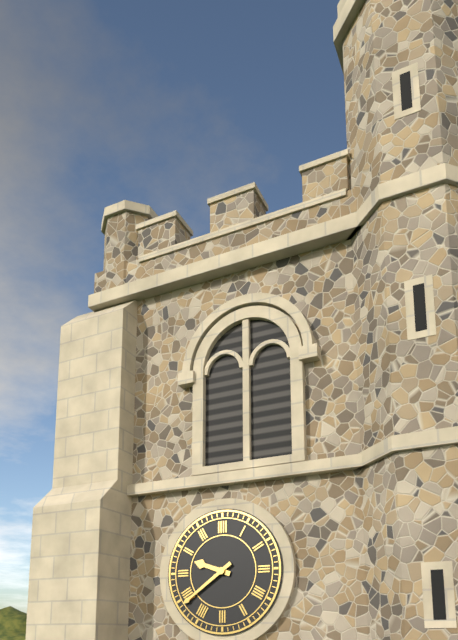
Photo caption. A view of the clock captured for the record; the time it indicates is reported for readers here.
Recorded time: 9:39
